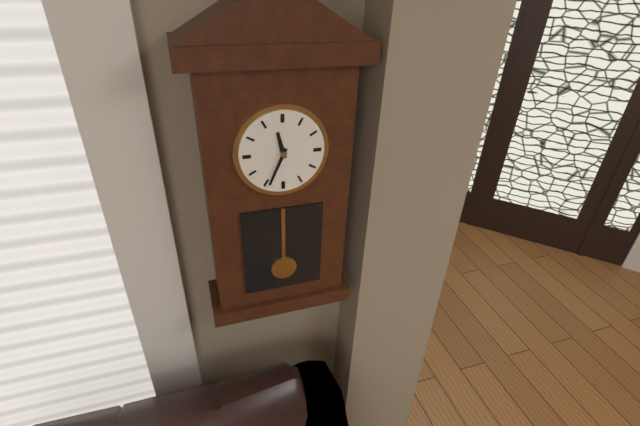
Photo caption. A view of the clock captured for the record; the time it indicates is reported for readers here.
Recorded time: 11:34
